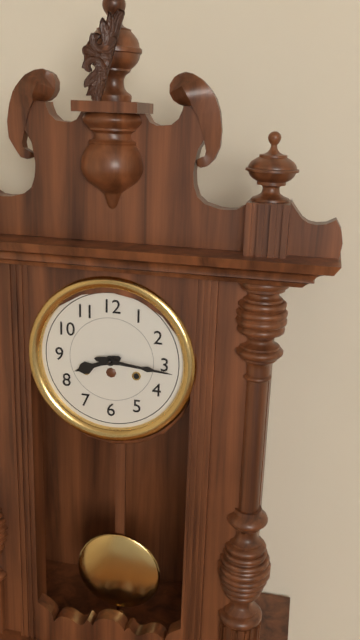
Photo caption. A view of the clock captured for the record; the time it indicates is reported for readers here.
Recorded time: 8:16
